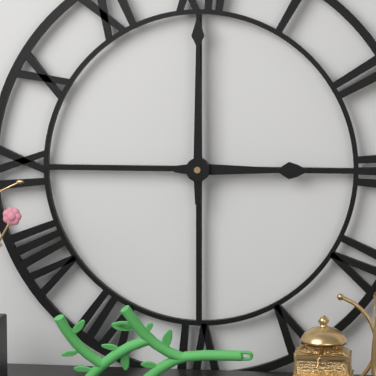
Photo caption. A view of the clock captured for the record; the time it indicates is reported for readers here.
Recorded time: 3:00
